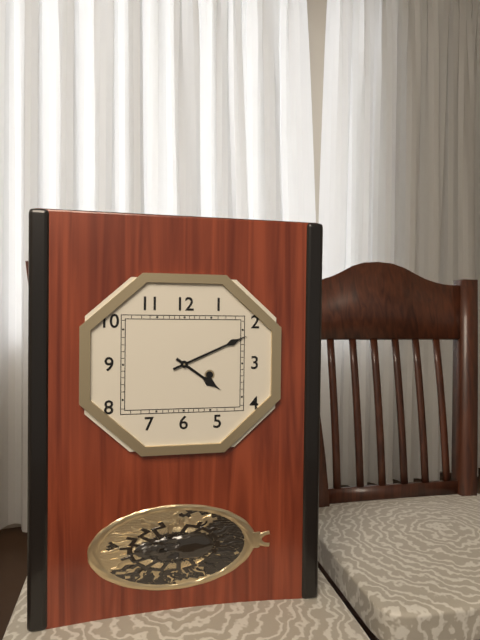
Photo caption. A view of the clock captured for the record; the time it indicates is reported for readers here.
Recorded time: 4:11
